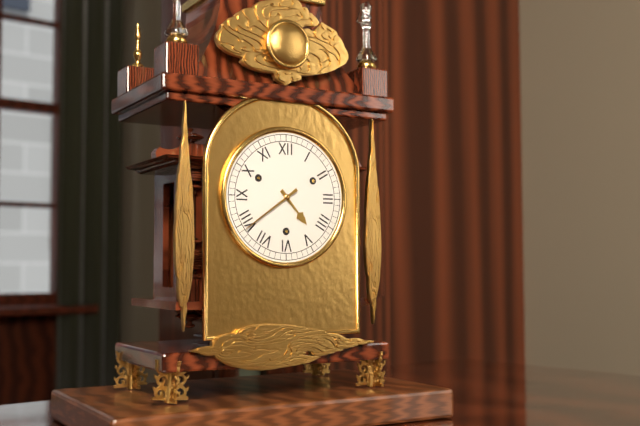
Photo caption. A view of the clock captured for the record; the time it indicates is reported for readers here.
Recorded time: 4:39
